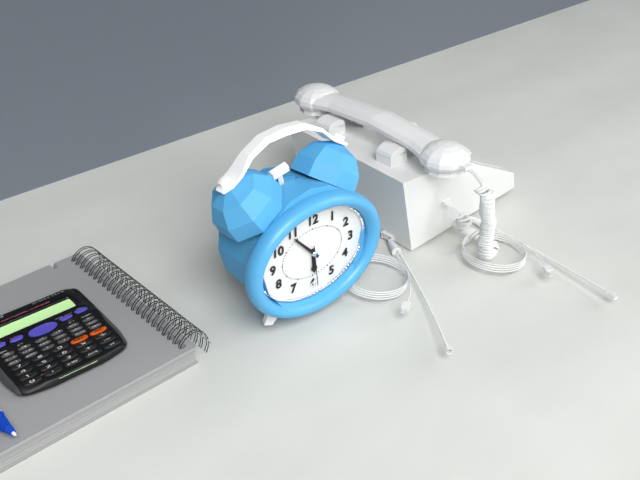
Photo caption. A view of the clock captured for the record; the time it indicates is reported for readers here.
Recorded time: 5:53
